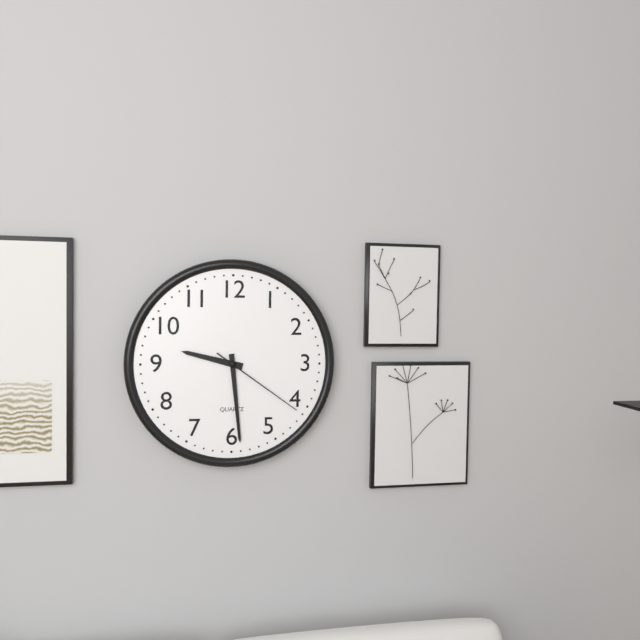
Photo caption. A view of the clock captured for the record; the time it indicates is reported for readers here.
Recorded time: 9:29:21
